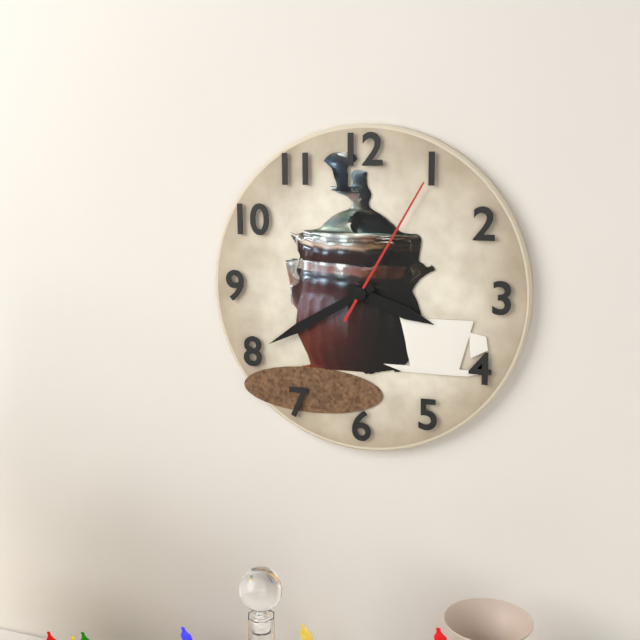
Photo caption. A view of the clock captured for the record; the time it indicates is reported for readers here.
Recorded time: 3:40:05
